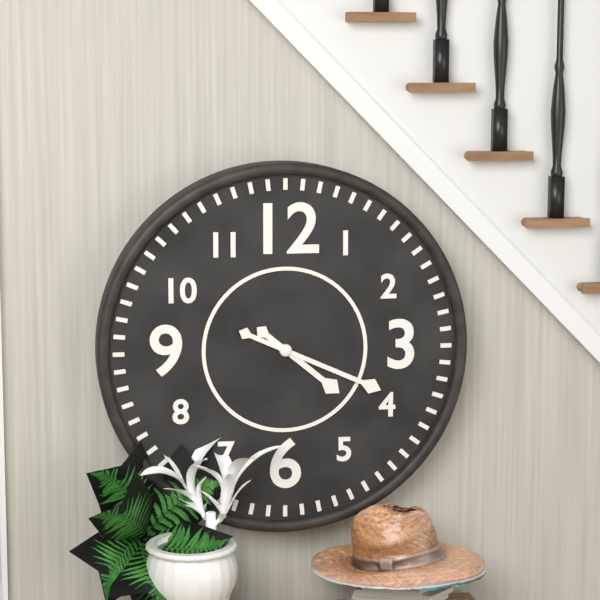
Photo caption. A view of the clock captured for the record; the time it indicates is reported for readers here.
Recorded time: 4:19
